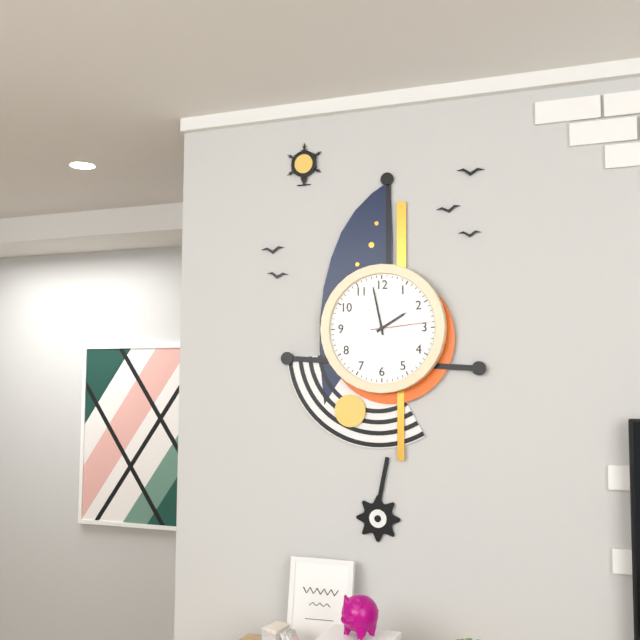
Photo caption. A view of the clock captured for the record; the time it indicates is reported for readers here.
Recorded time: 1:58:14
